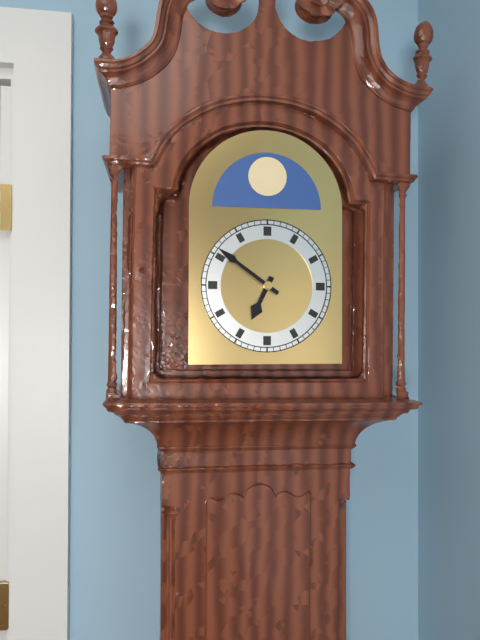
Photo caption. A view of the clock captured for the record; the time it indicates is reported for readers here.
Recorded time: 6:51
